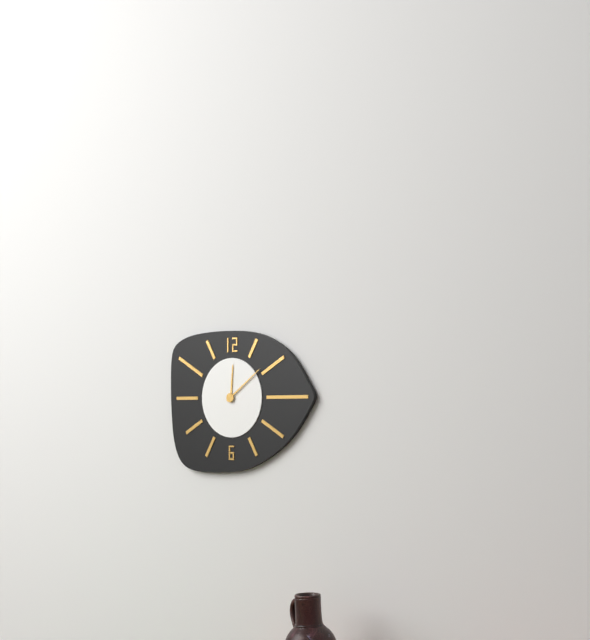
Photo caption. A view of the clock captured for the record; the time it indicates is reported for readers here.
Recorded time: 12:09
